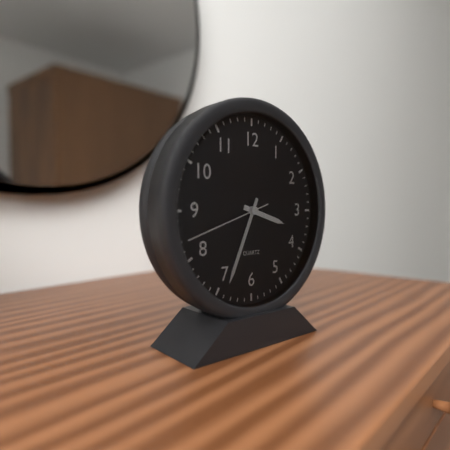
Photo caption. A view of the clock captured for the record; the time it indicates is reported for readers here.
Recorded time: 3:34:42
